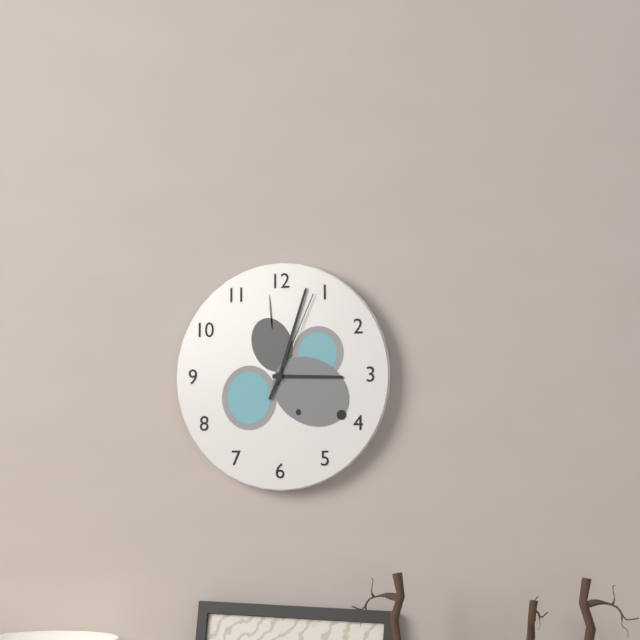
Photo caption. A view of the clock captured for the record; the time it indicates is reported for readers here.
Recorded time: 3:03:04
